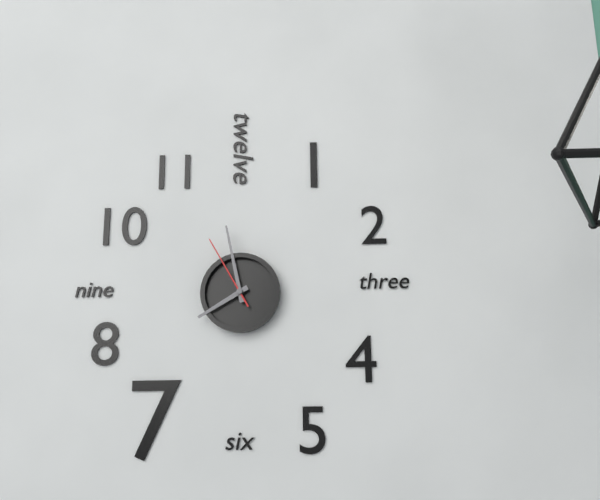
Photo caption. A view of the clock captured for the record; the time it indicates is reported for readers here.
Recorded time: 7:58:55
